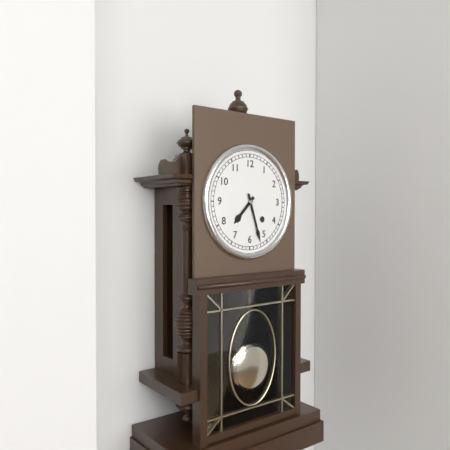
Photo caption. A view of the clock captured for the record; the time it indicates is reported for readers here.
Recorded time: 7:27
